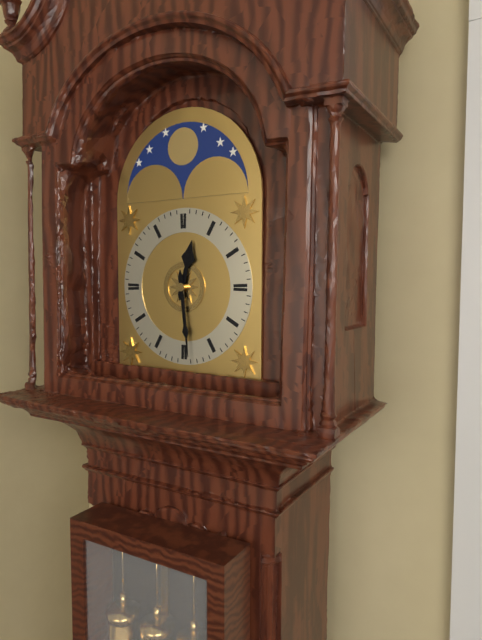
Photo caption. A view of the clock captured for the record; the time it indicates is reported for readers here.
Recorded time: 12:29
